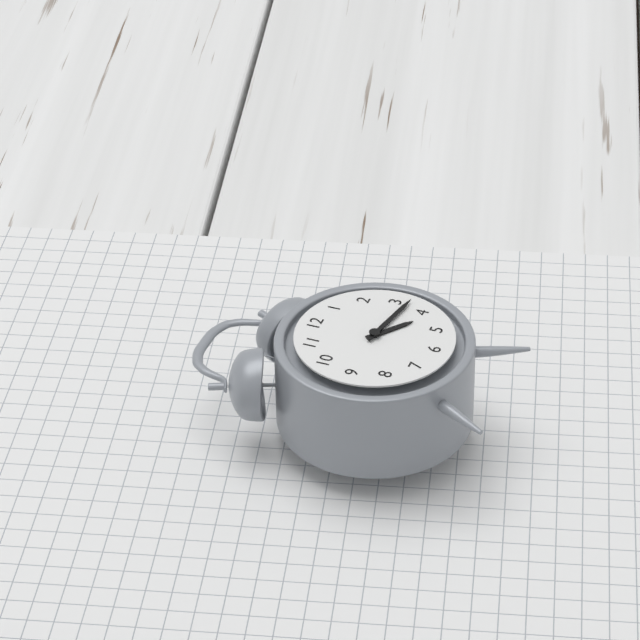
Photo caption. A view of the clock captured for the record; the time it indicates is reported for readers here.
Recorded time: 4:17
